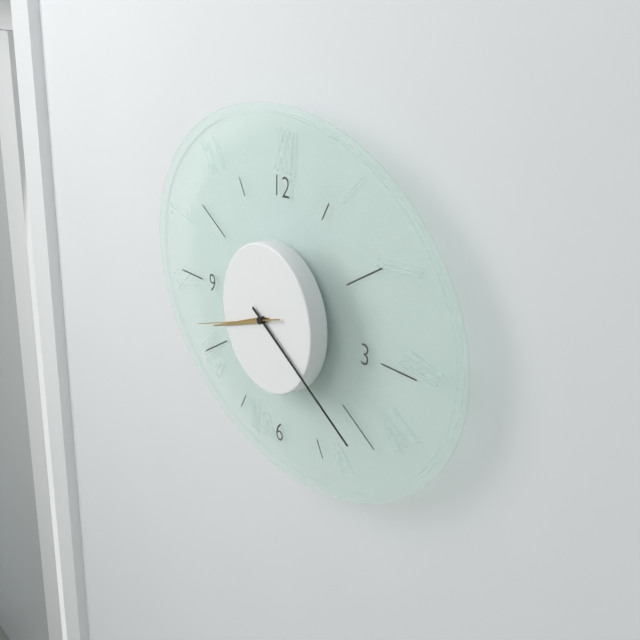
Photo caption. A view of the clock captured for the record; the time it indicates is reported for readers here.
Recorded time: 8:20:42
